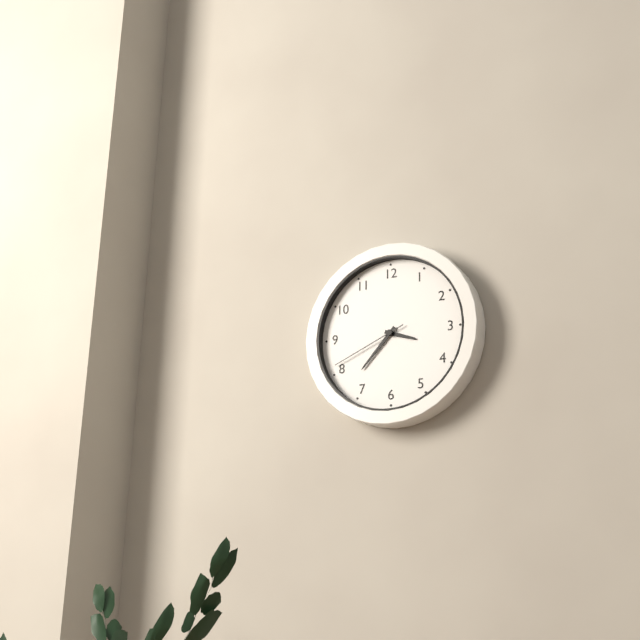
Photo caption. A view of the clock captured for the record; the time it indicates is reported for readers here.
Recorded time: 3:37:41
